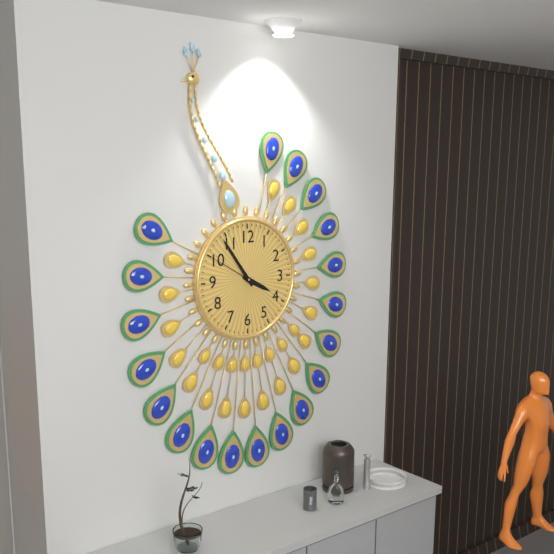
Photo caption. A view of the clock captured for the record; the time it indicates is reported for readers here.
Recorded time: 3:54:50
